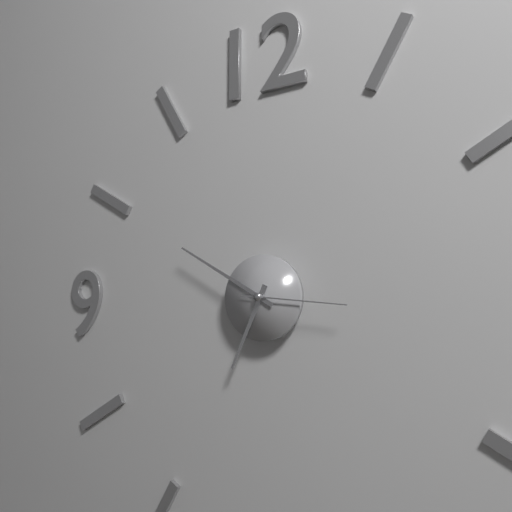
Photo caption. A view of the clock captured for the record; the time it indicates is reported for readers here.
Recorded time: 6:50:16
